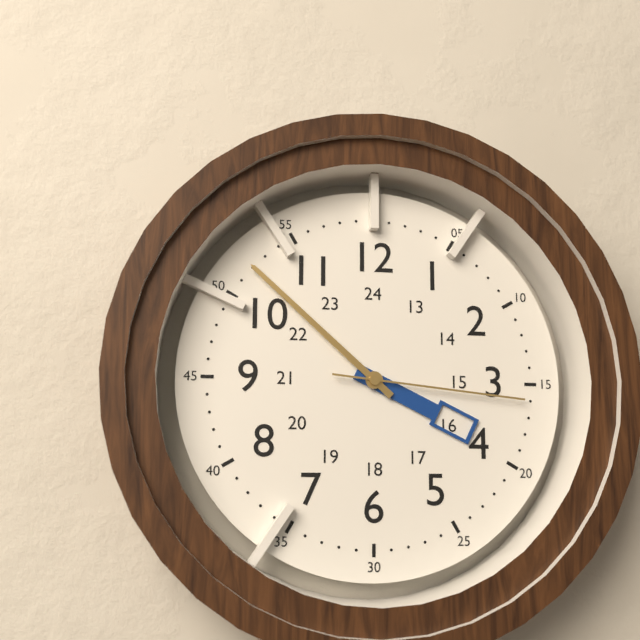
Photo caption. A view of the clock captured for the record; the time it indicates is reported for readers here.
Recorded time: 3:52:16
